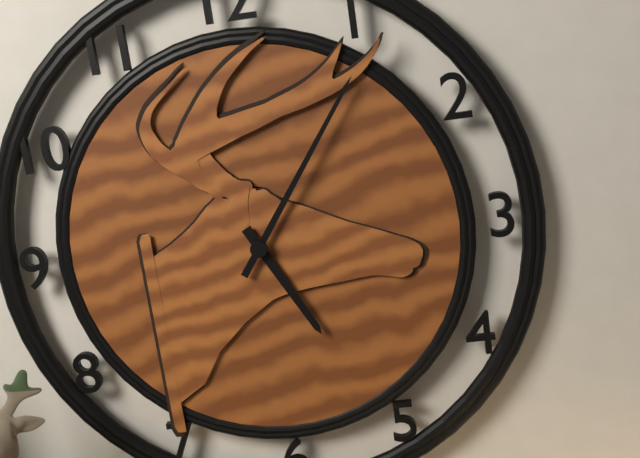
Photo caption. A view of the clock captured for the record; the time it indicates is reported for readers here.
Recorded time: 5:06
